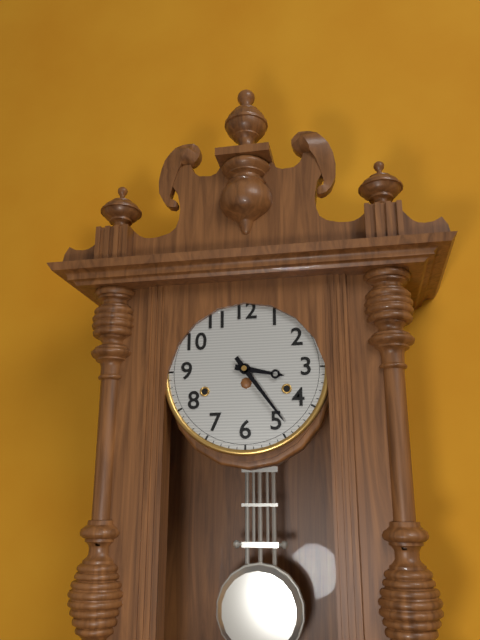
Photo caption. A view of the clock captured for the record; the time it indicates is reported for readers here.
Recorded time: 3:24
